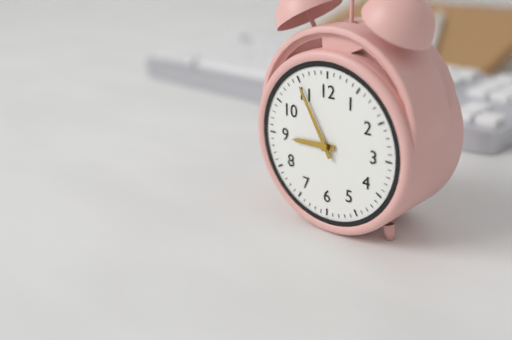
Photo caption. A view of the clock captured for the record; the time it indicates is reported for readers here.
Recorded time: 8:55
